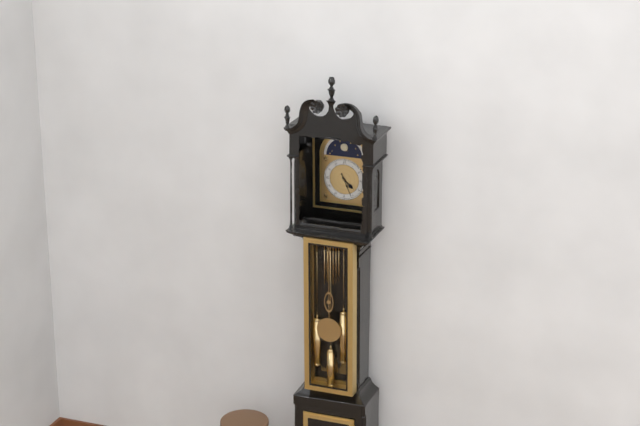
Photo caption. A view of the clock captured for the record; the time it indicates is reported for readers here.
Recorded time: 4:26
